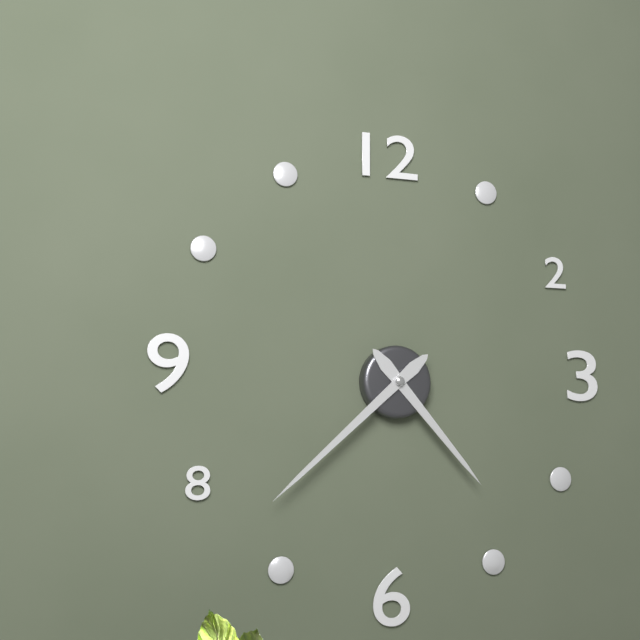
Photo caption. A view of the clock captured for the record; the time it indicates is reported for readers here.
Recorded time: 4:38
